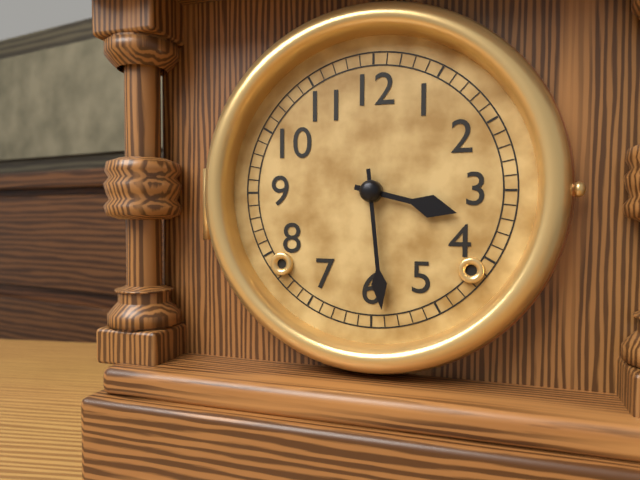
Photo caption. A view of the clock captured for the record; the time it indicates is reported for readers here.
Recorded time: 3:29
